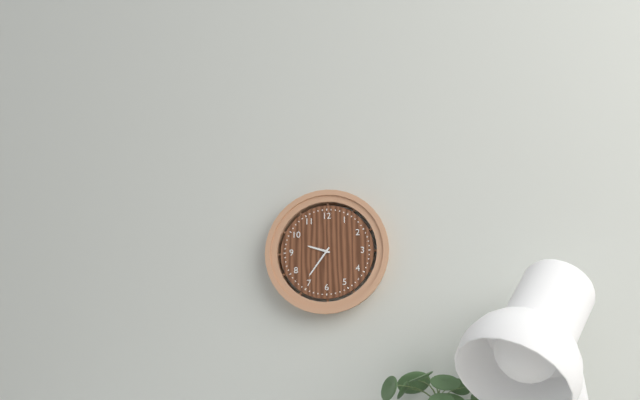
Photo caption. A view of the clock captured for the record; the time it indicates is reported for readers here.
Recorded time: 9:36
